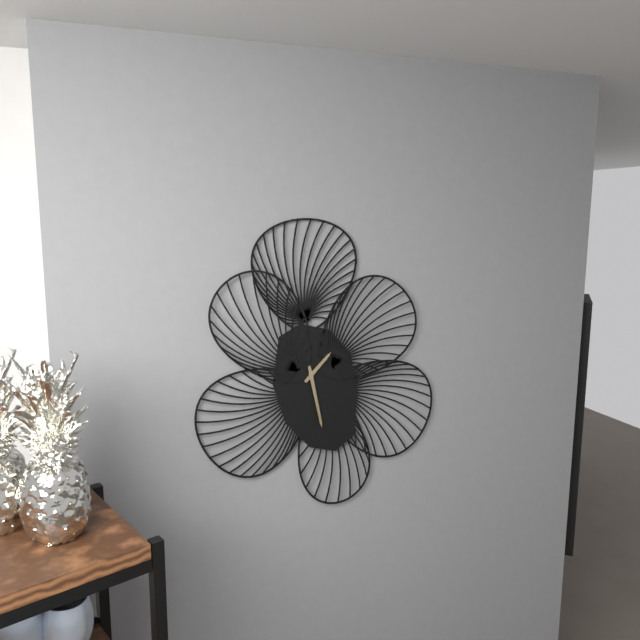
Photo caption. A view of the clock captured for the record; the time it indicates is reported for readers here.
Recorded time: 1:28
